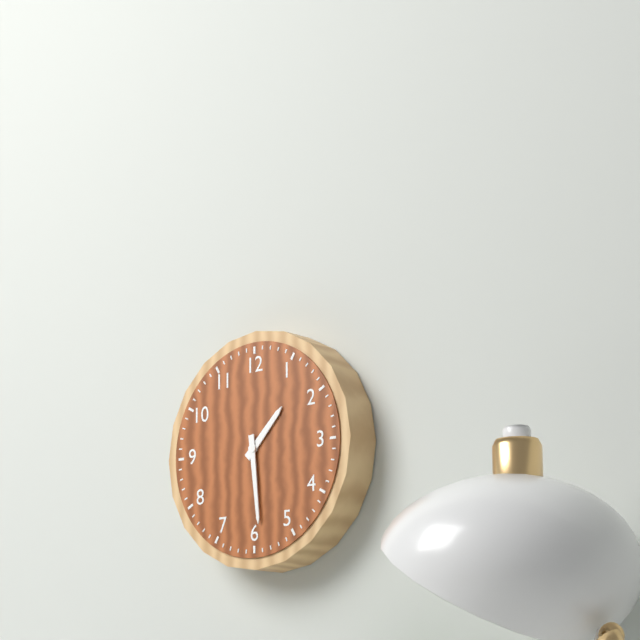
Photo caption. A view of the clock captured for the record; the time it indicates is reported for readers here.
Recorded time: 1:29
